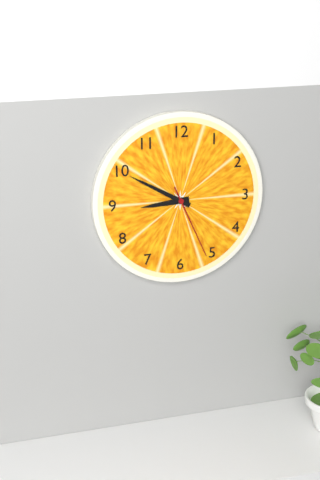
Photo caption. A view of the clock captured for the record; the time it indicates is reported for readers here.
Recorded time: 8:50:26
